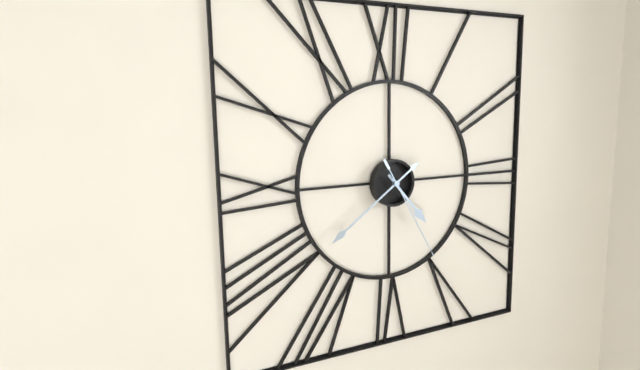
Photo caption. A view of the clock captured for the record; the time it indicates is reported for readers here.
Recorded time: 4:39:25
